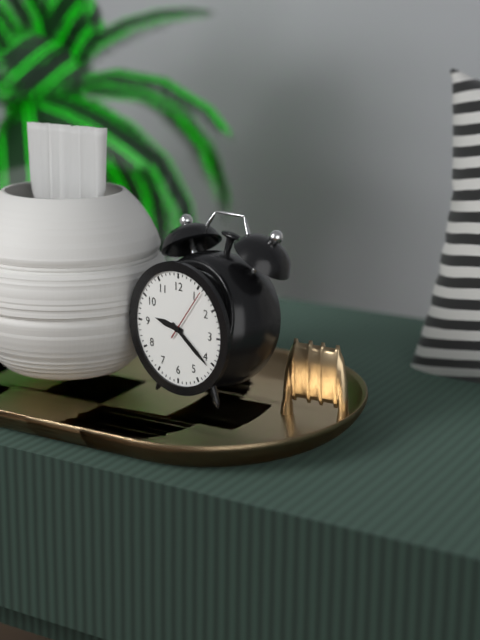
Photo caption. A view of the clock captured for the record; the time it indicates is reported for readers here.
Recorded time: 9:21:06
